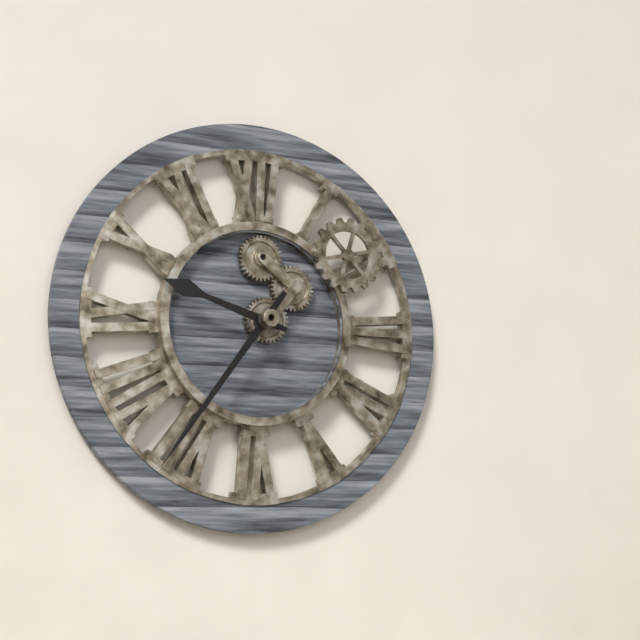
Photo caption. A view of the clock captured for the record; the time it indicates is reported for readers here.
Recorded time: 9:36
